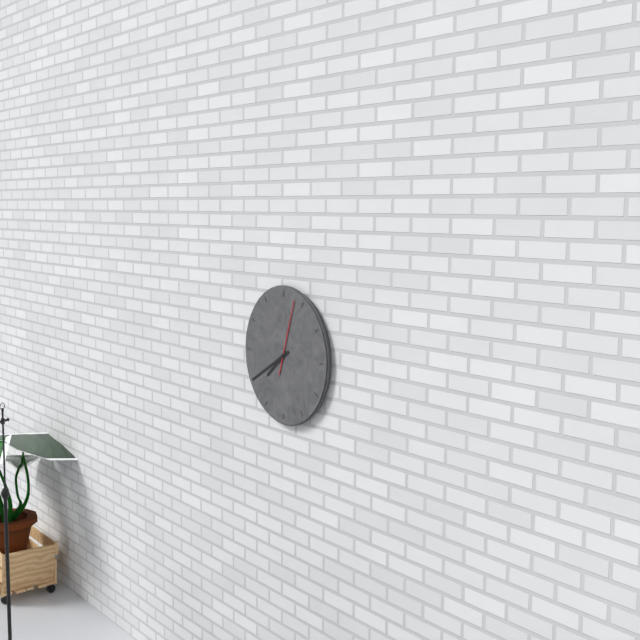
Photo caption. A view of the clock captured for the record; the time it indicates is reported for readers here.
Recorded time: 7:40:03
